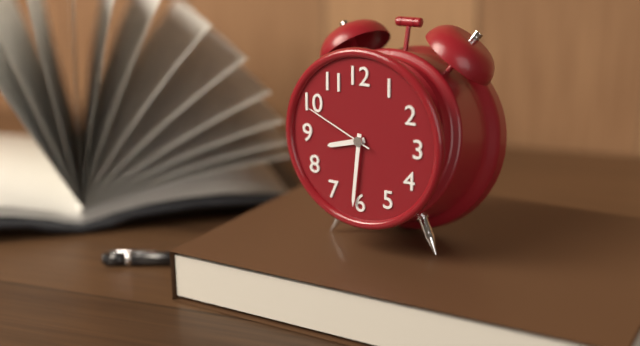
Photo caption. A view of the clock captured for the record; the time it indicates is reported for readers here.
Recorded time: 8:31:49
